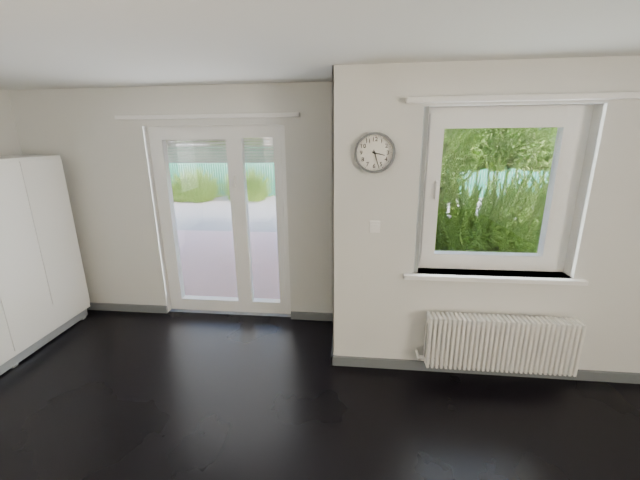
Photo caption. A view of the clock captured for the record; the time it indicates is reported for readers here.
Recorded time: 3:27
